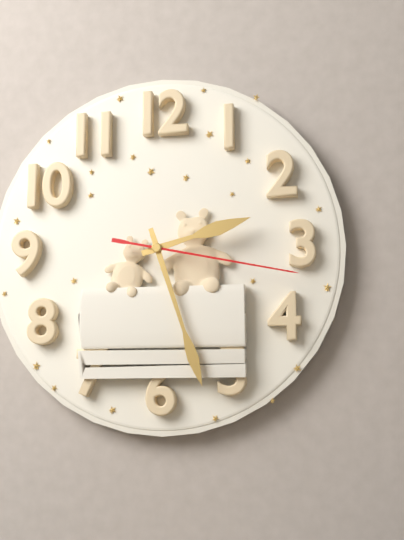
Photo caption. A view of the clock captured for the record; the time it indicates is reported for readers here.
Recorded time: 2:27:17
